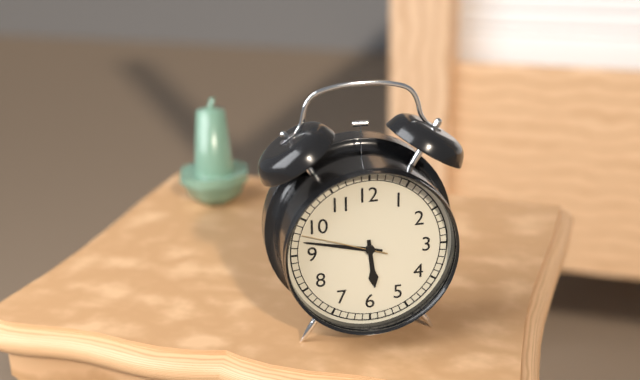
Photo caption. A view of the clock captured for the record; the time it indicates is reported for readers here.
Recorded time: 5:47:48
